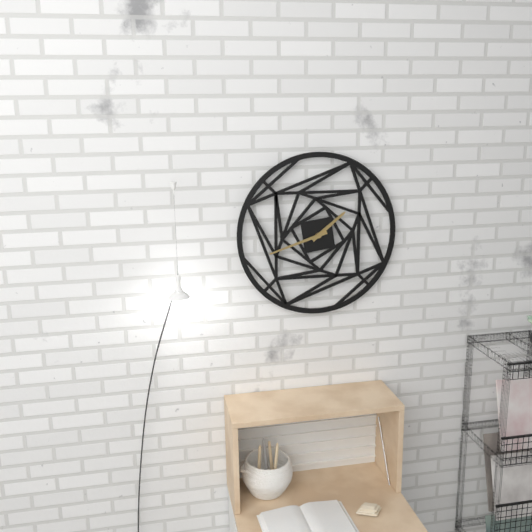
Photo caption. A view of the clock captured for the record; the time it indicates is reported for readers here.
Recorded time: 1:42
